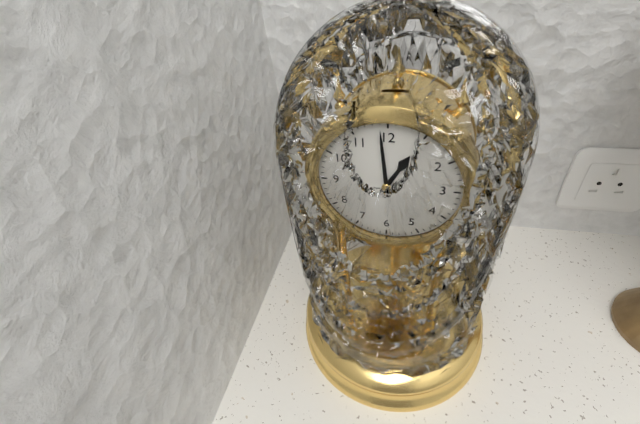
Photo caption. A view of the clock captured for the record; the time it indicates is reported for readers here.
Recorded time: 12:59
